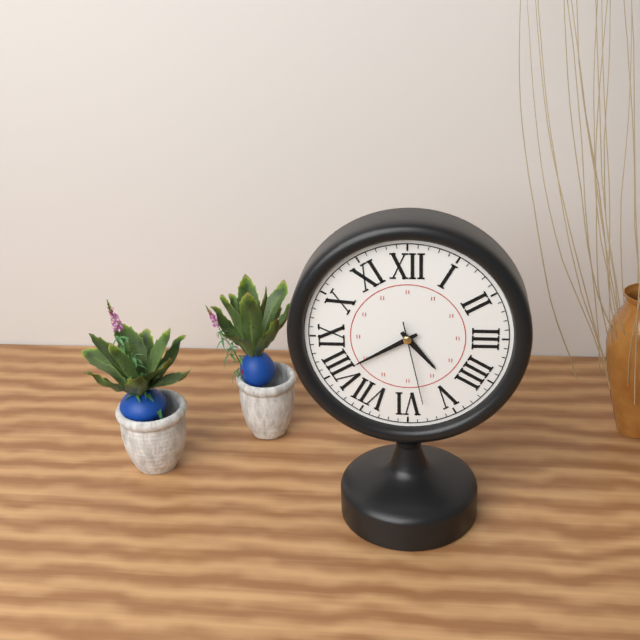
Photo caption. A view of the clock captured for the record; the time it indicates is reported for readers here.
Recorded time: 4:40:28
